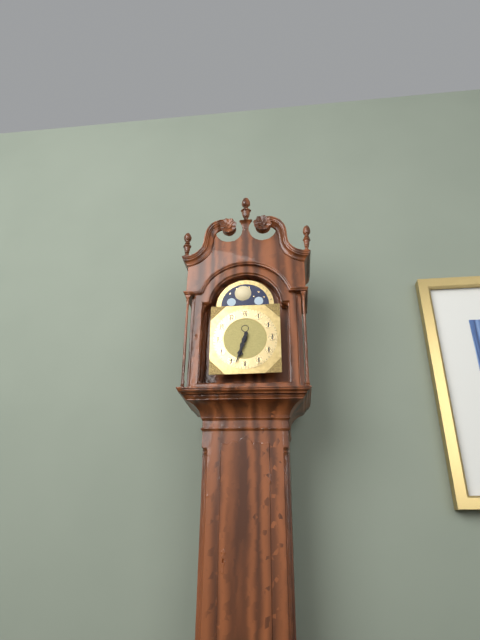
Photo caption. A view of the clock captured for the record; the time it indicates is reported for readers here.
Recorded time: 6:33
